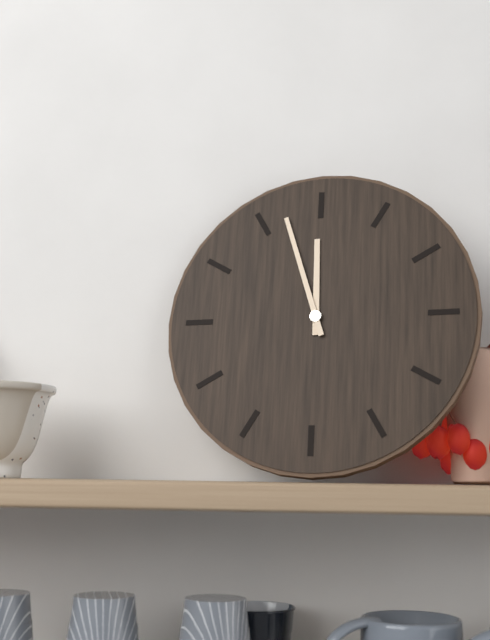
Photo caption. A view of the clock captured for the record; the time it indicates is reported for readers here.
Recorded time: 11:57
